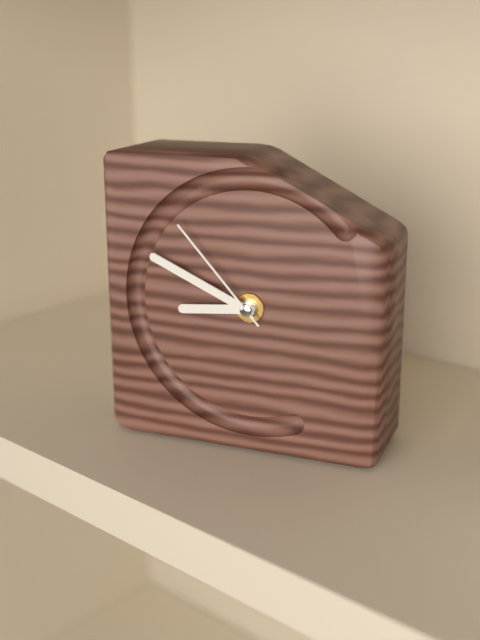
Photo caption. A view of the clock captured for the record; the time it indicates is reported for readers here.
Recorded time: 8:49:53
